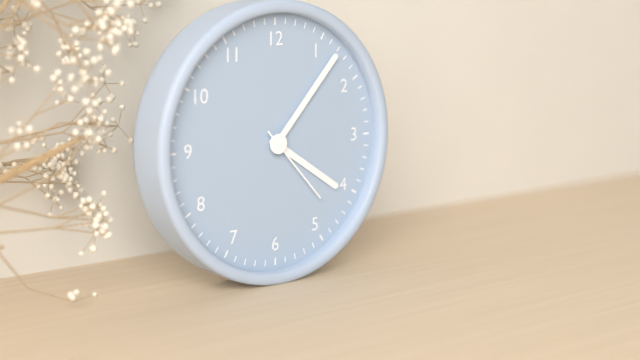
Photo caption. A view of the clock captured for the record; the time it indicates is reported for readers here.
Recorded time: 4:07:23
